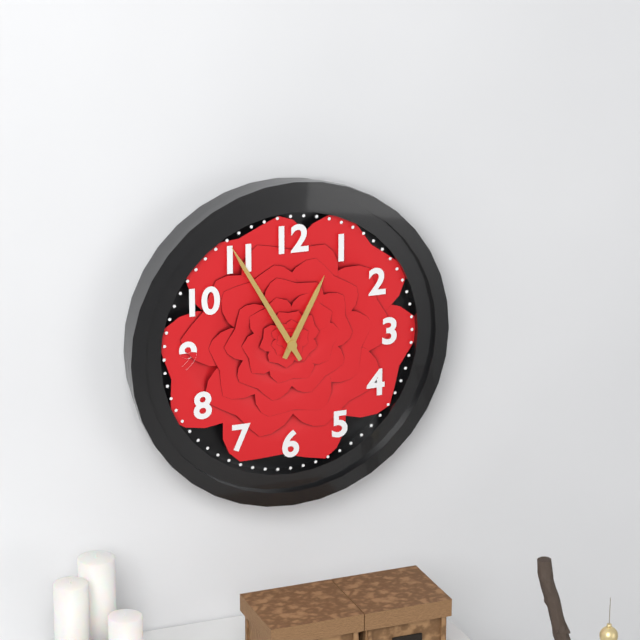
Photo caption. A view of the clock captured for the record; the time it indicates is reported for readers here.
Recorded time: 12:55
